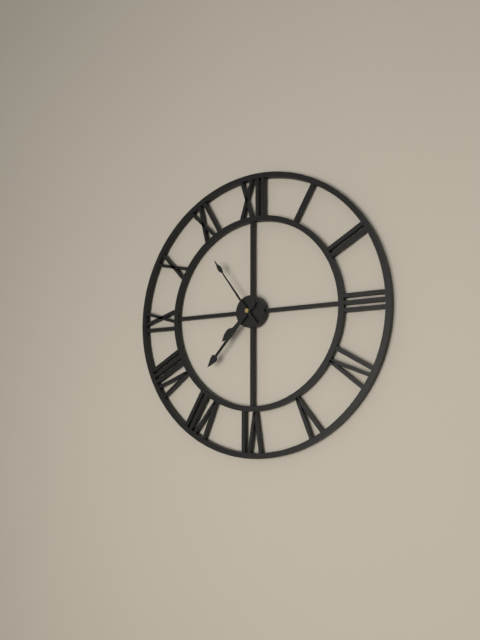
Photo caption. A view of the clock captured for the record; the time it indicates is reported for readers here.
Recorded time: 7:37:54
